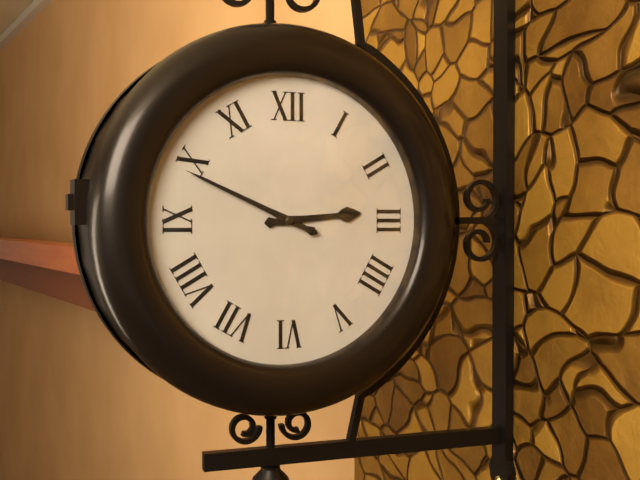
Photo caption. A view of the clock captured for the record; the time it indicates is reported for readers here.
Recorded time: 2:49
